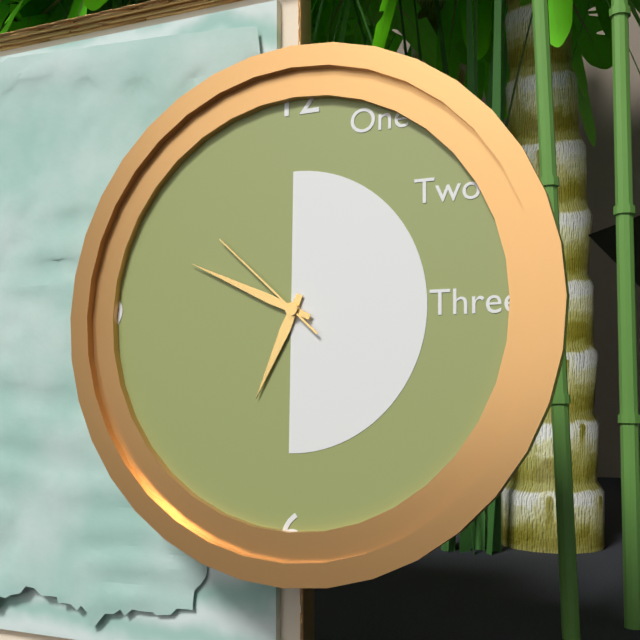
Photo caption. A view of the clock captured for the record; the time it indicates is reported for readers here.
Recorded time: 6:49:52
